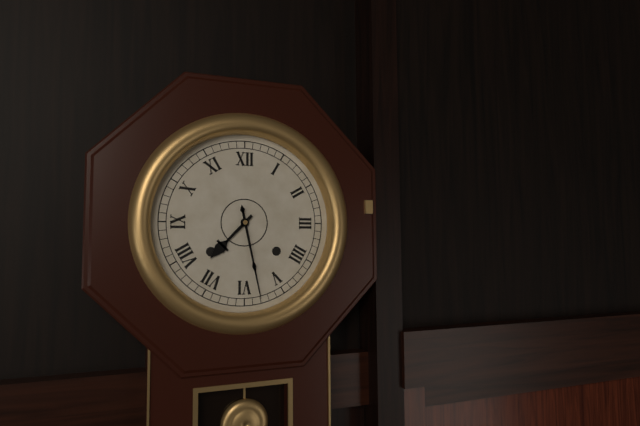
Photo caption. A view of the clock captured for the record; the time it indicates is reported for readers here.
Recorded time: 7:28
